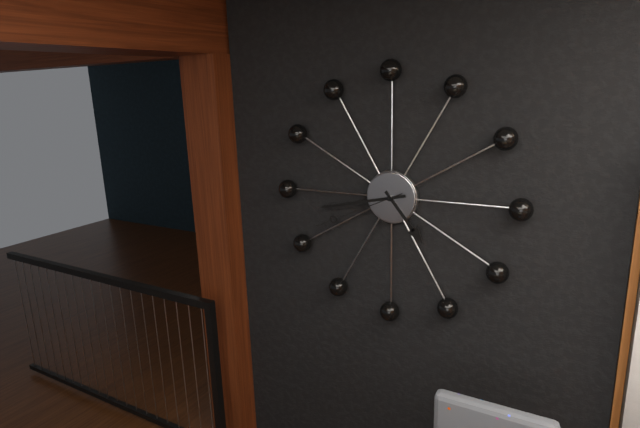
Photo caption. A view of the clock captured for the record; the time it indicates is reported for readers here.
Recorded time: 4:43:41
